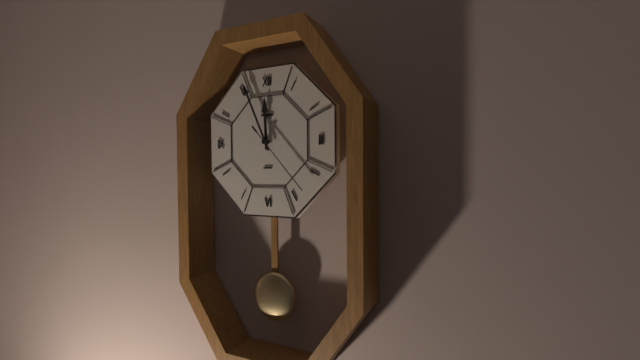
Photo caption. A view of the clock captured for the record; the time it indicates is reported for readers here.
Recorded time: 11:56:23
